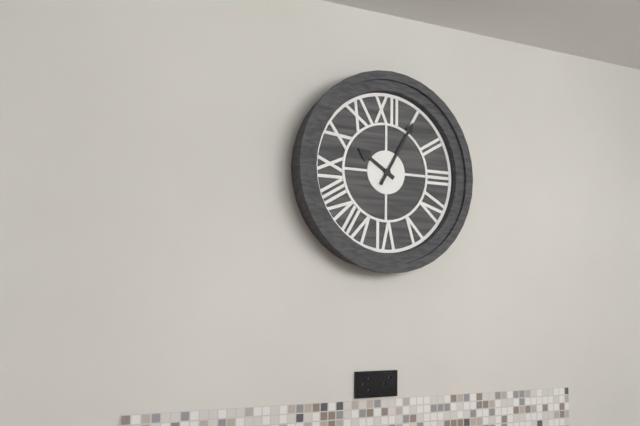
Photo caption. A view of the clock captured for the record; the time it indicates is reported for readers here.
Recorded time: 10:05
